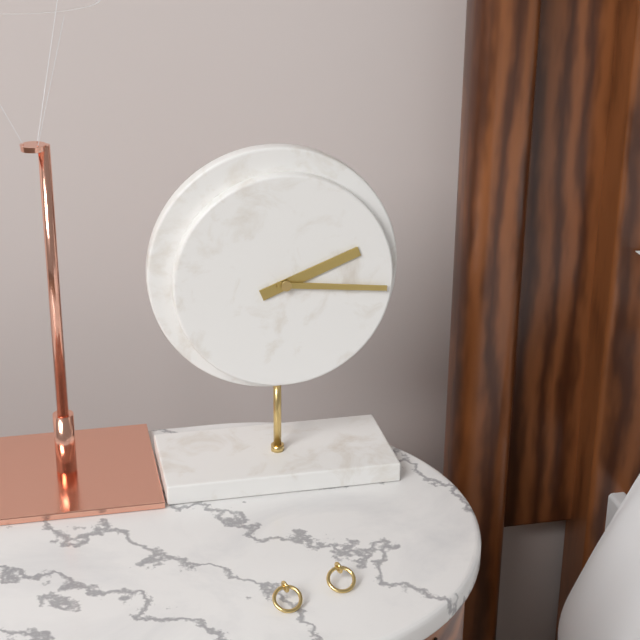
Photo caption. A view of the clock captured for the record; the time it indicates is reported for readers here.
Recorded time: 2:16
